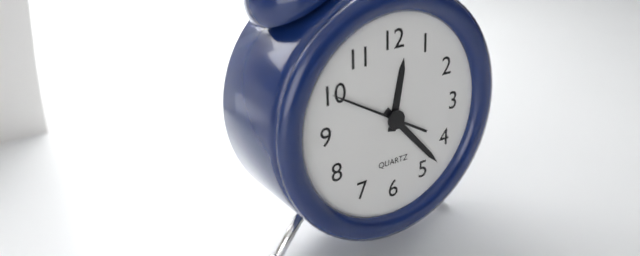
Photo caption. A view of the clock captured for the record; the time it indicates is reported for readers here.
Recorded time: 12:23:50
